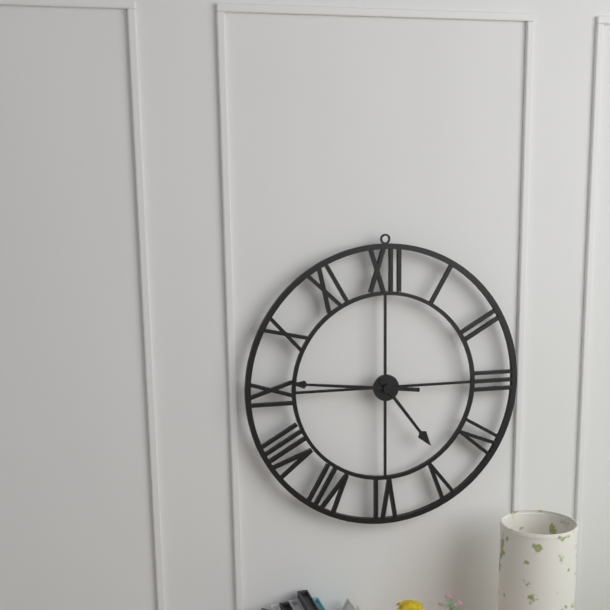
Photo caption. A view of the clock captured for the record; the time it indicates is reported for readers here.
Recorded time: 4:46
